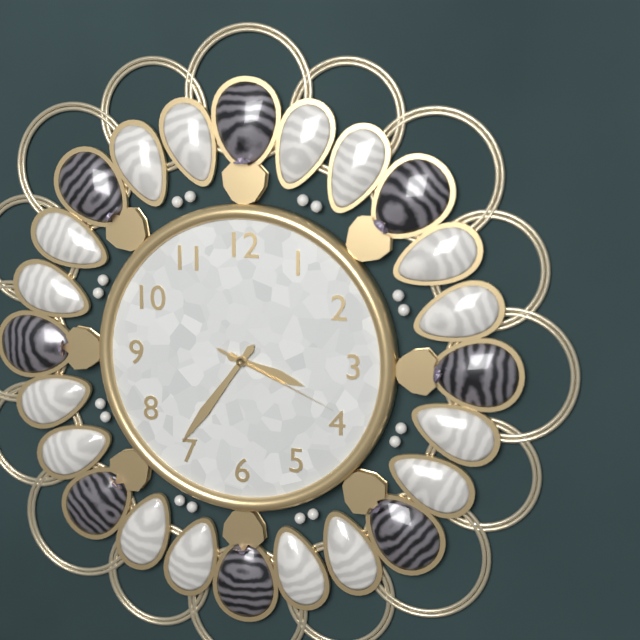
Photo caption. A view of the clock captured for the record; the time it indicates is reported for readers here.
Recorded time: 3:36:19
